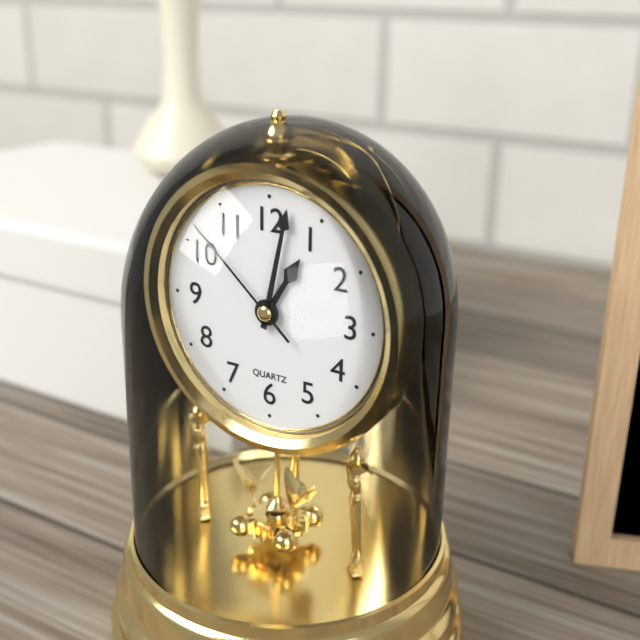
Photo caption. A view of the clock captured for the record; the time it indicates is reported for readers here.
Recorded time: 1:02:52
